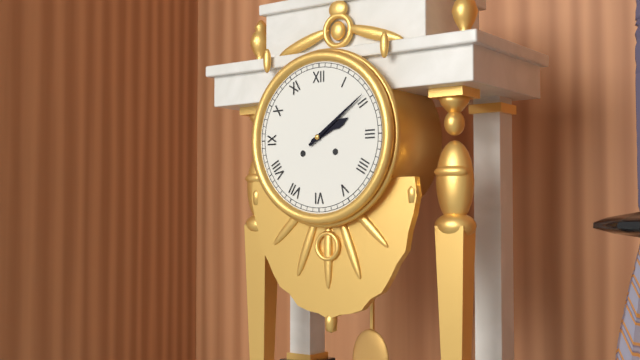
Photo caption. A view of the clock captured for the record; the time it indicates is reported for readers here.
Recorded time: 2:09
